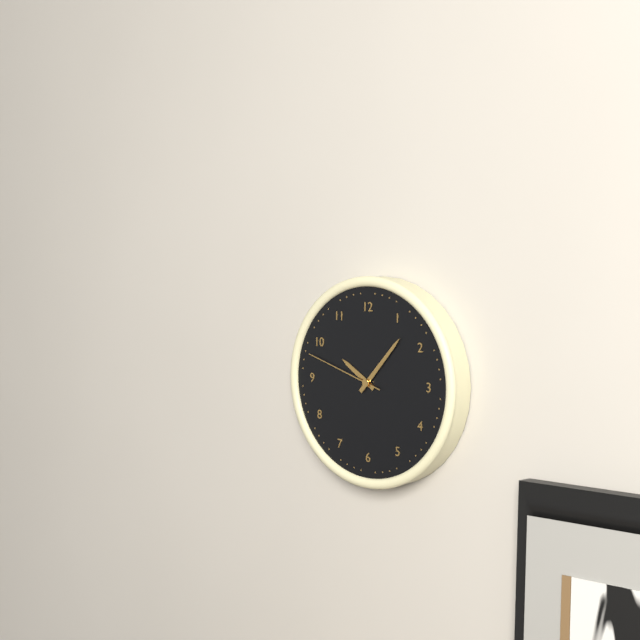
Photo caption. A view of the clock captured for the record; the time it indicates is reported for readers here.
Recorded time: 10:07:48
